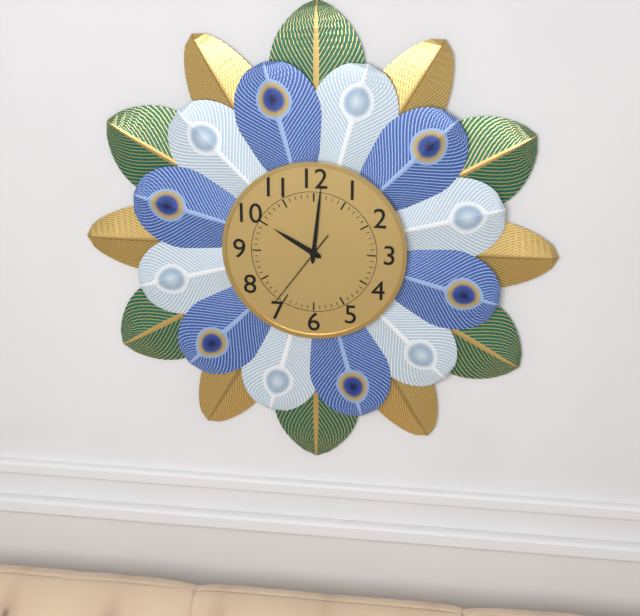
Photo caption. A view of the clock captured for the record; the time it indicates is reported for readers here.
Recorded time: 10:01:36
